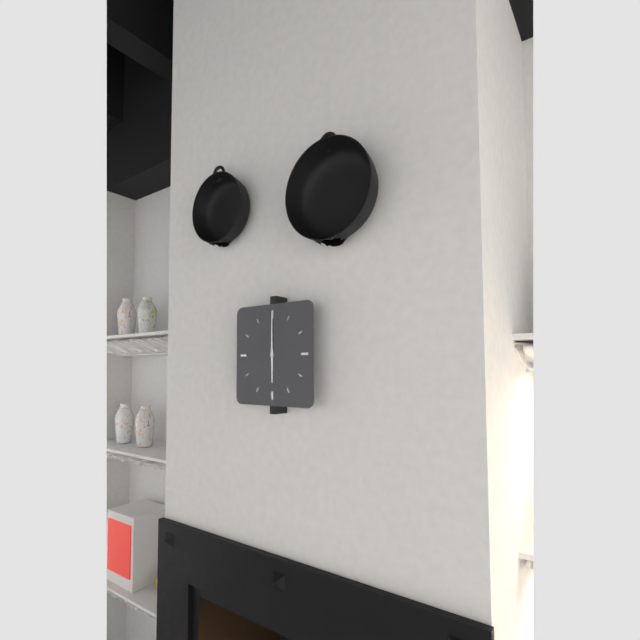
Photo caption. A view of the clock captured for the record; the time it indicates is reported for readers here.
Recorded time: 6:00
